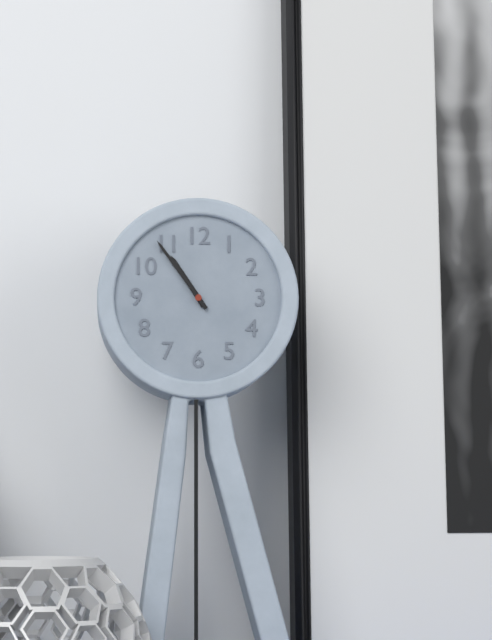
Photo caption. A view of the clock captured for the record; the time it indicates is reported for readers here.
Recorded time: 10:54
